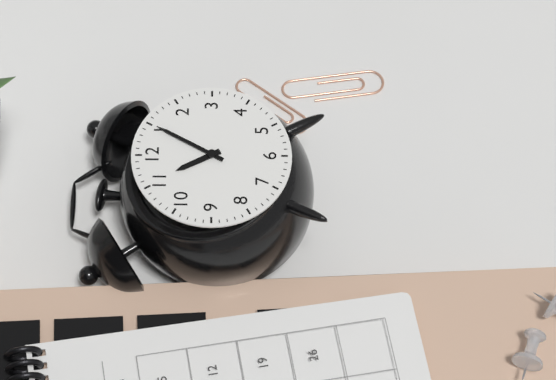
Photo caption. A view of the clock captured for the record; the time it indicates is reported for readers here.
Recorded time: 11:05
